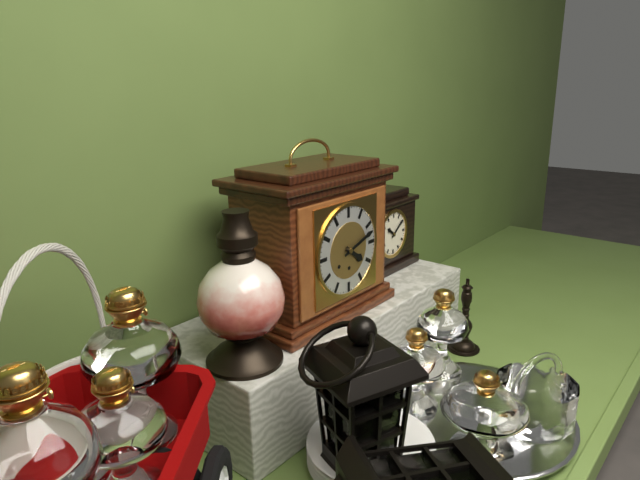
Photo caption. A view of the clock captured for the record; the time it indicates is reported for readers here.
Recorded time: 4:12
